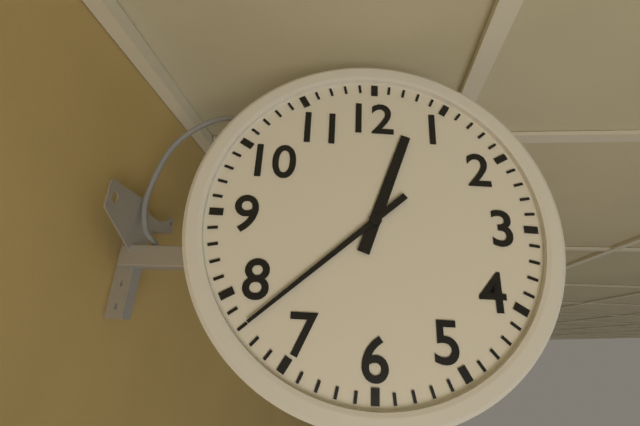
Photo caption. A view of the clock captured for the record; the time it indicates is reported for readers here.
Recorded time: 12:38
